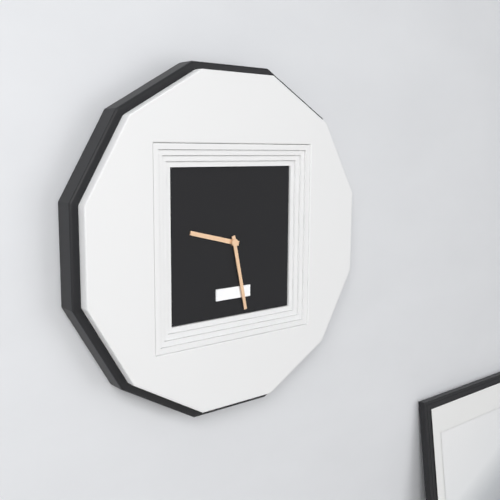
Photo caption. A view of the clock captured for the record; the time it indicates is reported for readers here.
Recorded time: 9:28
